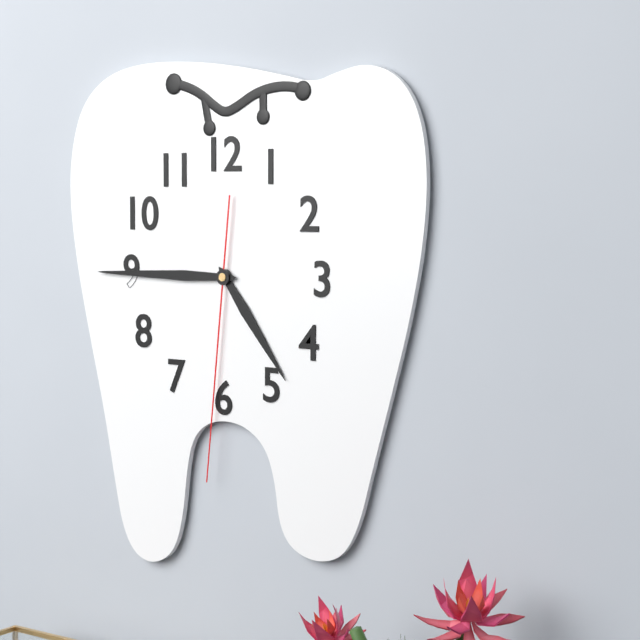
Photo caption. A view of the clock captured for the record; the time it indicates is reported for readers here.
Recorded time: 4:45:31
